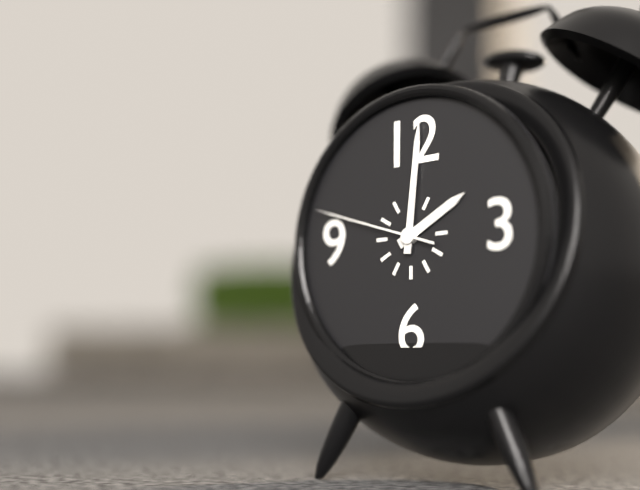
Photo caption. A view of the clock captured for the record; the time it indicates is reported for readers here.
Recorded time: 2:01:48
